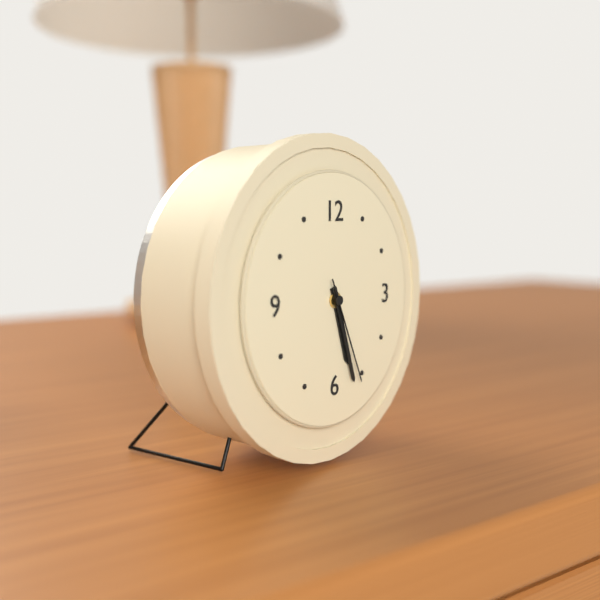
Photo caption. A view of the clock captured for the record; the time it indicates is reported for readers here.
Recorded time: 5:27:26
